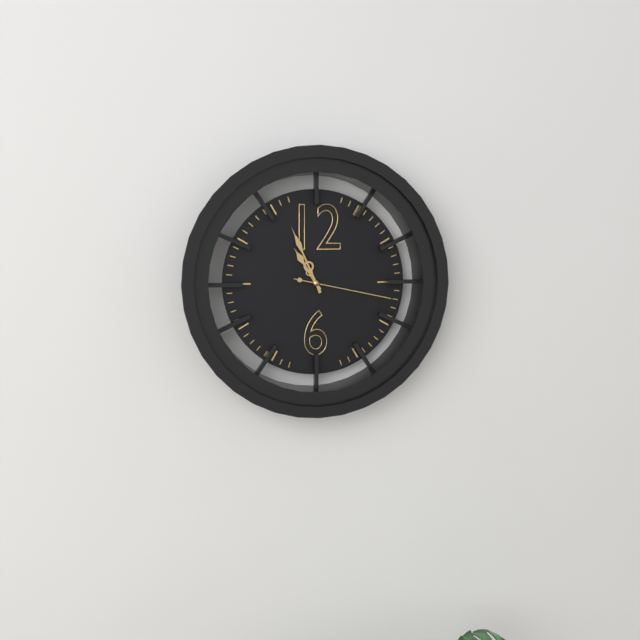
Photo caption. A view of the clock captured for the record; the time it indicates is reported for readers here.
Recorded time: 10:56:17
